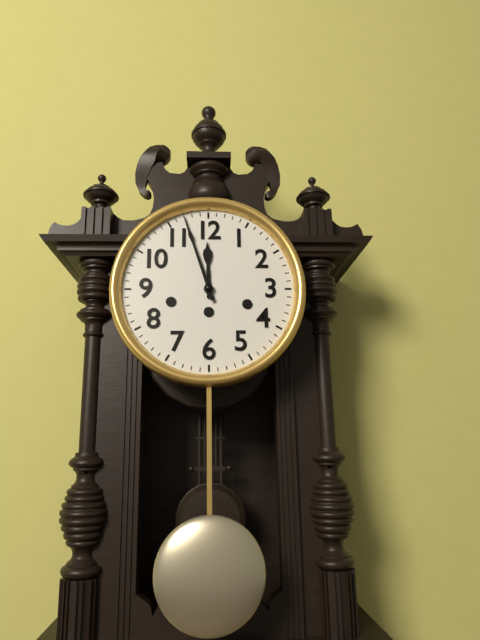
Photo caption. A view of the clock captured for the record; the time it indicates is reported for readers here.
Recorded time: 11:57
